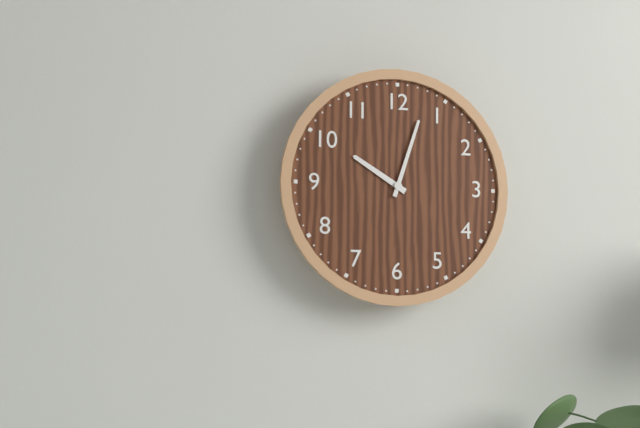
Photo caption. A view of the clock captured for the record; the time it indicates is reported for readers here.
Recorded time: 10:03
